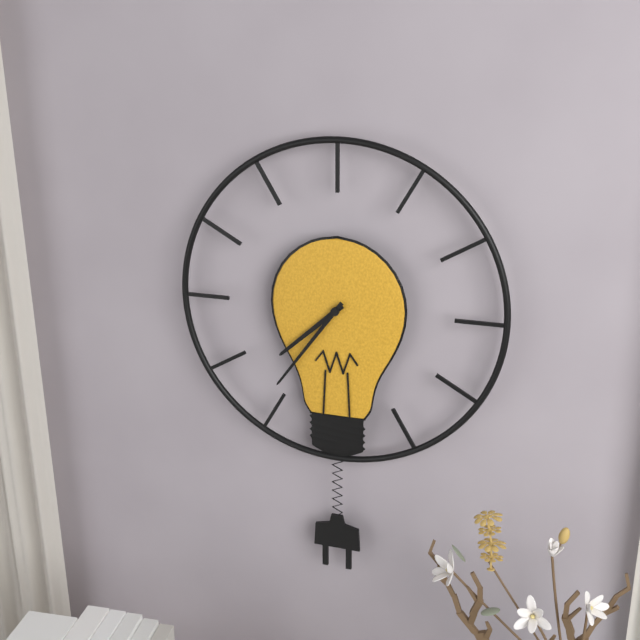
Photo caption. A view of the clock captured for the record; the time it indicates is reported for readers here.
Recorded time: 7:36
